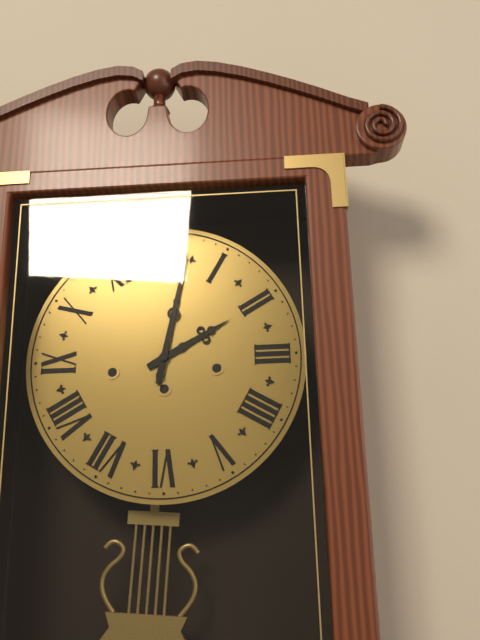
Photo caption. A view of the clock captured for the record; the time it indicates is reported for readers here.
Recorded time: 2:02
